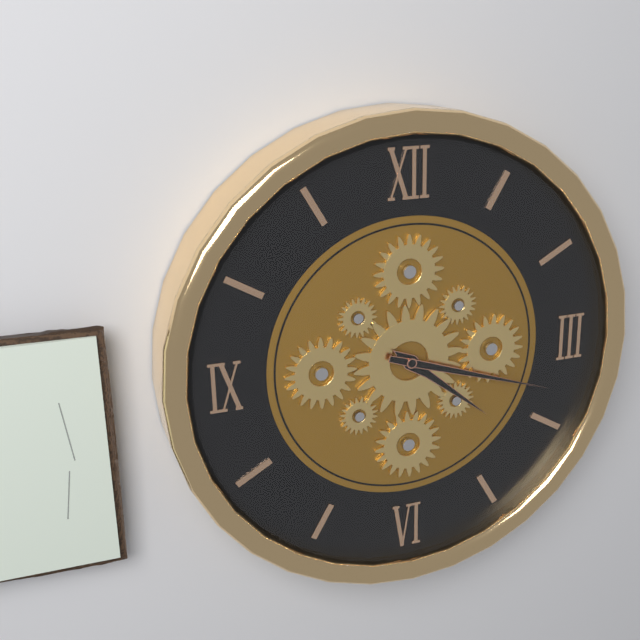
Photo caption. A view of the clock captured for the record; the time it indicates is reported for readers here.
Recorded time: 4:18
